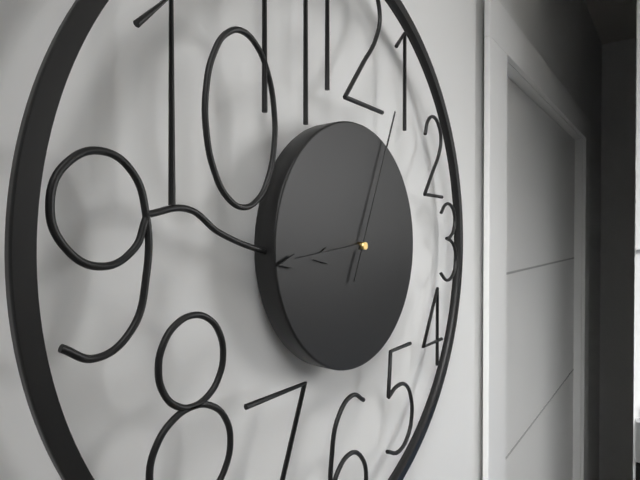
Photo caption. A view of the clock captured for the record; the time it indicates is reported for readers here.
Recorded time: 8:44:04
